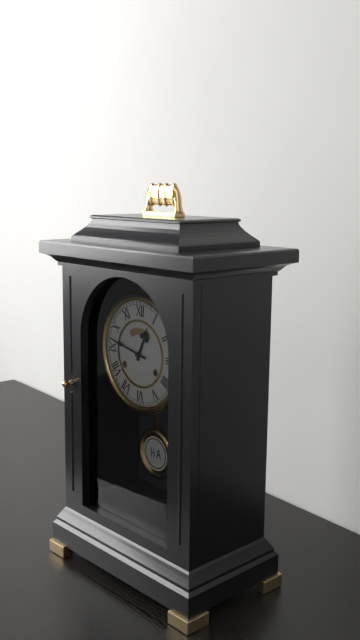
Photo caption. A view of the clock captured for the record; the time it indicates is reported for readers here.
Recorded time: 12:47
